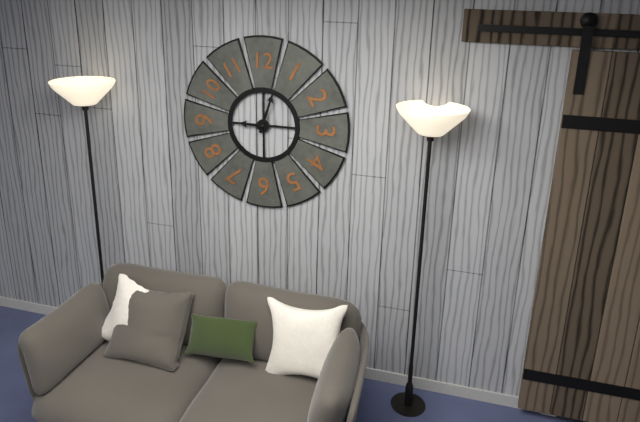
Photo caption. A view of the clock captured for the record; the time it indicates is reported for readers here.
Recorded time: 9:03
